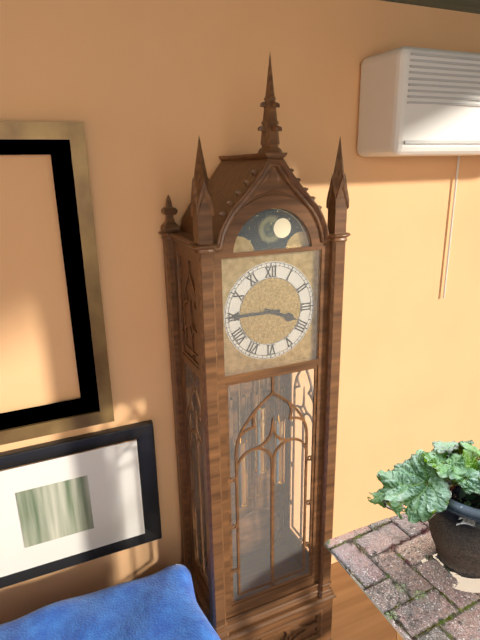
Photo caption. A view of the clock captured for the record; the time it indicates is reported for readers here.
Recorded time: 3:45
